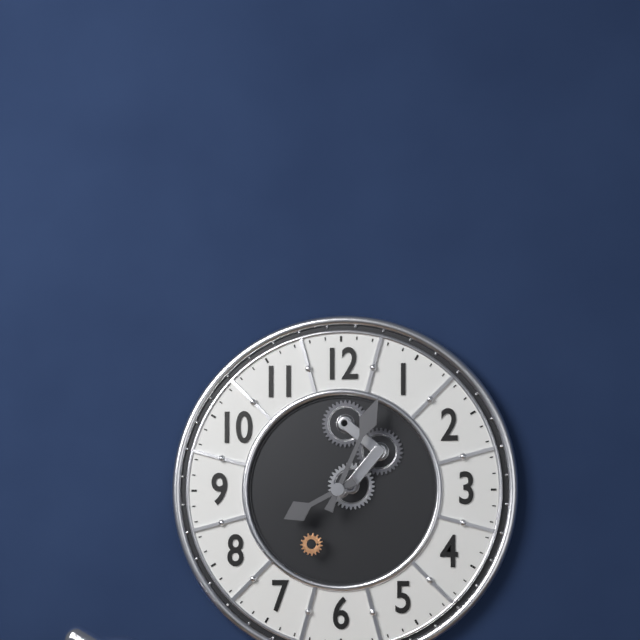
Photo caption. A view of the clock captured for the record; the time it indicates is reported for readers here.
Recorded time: 8:04
